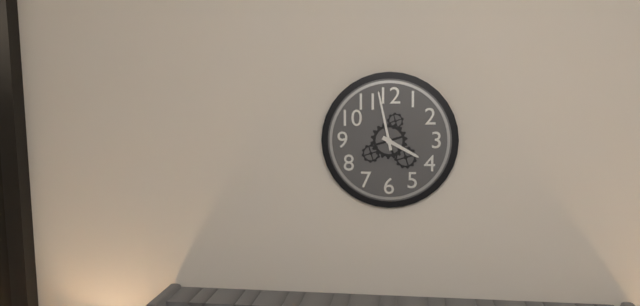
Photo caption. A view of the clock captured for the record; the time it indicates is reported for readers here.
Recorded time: 3:58
